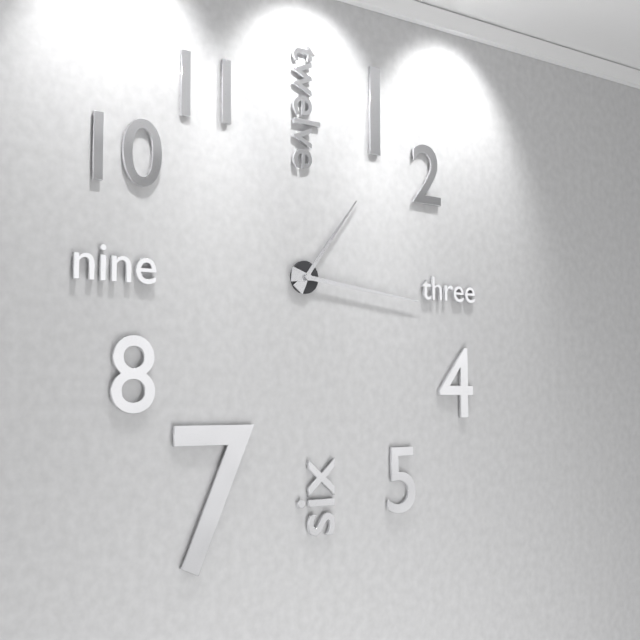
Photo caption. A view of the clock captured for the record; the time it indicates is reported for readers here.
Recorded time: 1:16
